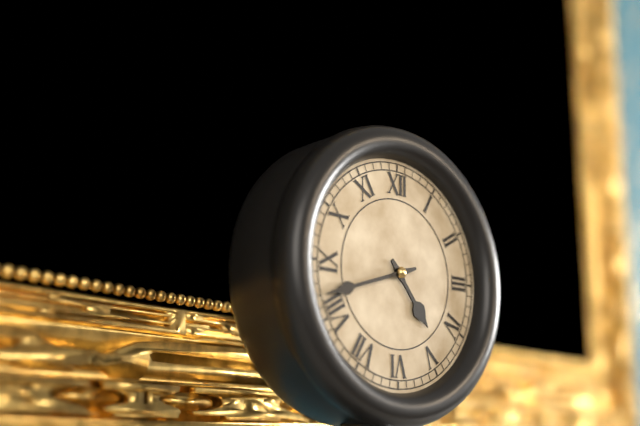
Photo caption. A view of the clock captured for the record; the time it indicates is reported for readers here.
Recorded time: 4:42
